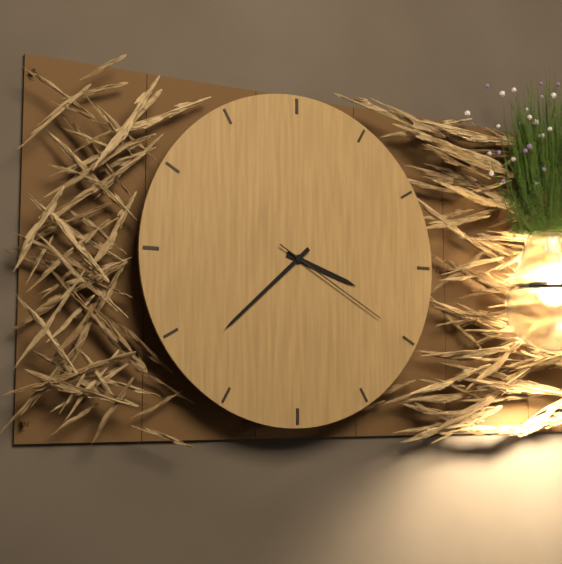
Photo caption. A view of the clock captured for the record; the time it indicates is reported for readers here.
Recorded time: 3:38:20
